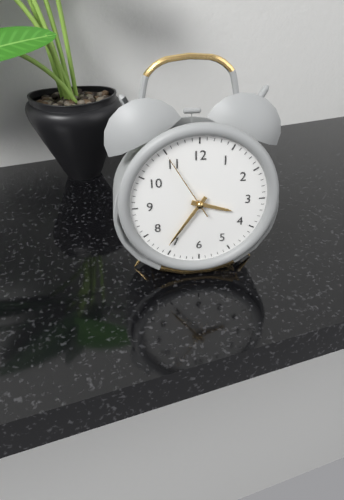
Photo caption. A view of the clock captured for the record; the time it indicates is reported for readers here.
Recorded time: 3:36:55
